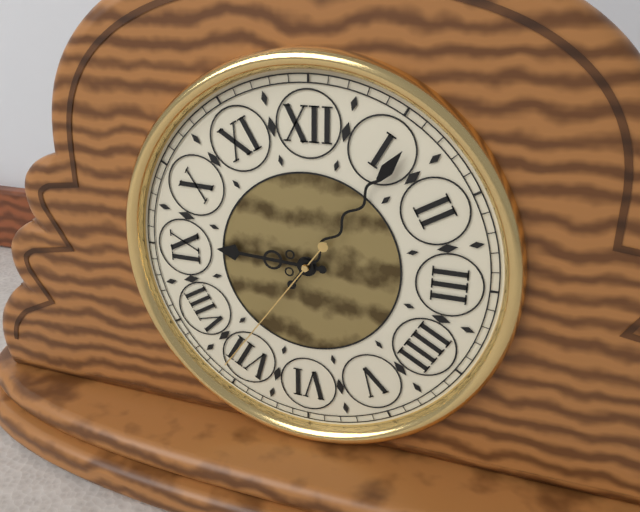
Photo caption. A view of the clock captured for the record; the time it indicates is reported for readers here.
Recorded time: 9:06:36
